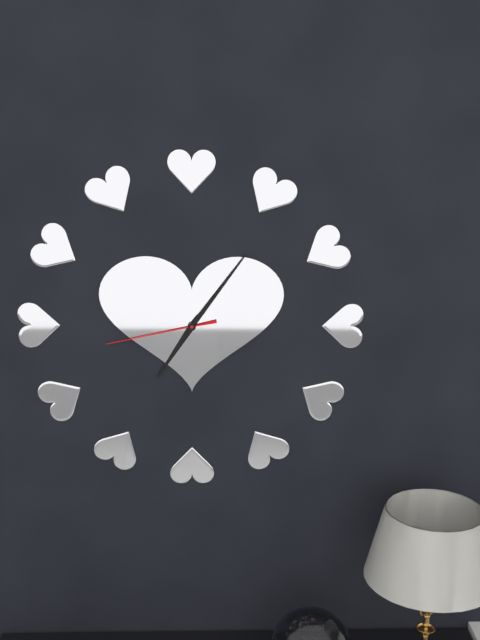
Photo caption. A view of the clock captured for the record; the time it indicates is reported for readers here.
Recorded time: 7:06:43
